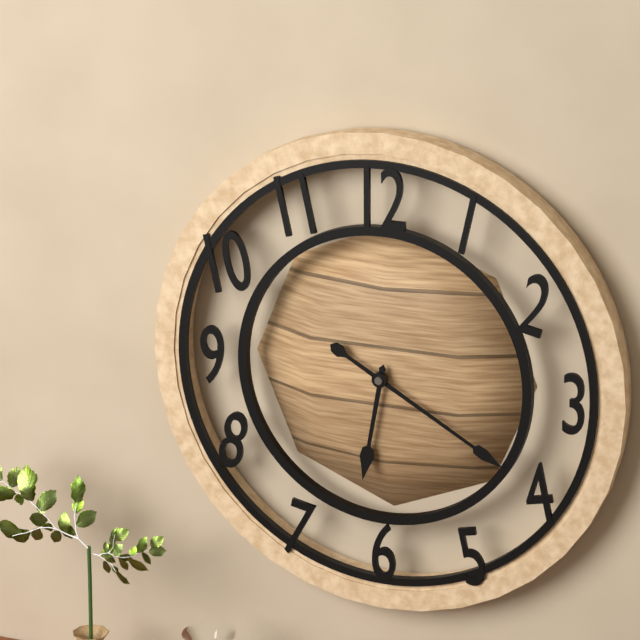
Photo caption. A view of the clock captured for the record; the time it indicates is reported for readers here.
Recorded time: 6:20
